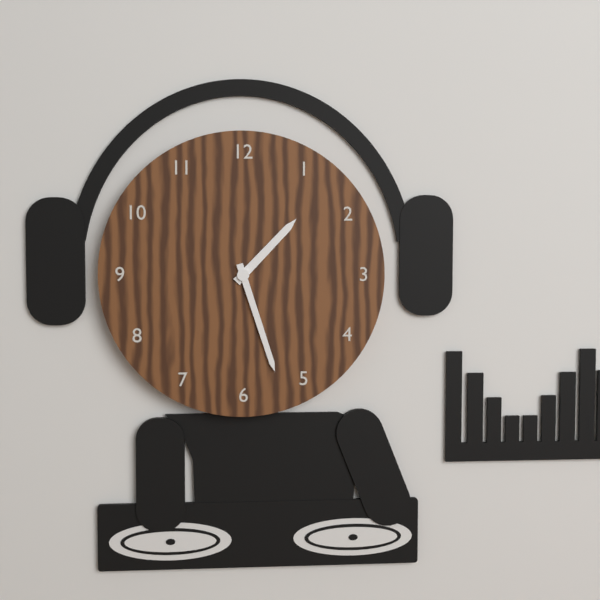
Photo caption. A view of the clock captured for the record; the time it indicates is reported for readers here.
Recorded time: 1:27
